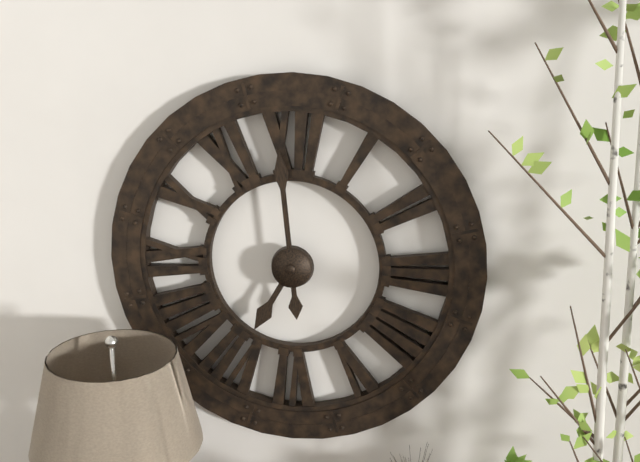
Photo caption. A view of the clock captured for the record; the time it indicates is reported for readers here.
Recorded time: 6:59
